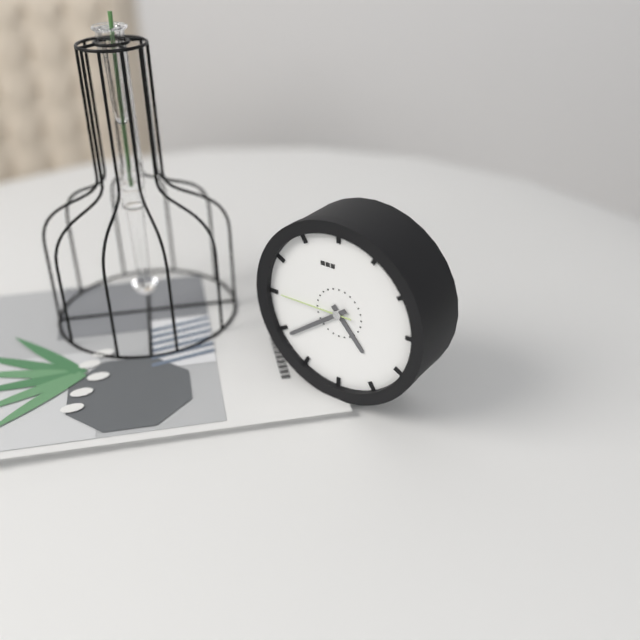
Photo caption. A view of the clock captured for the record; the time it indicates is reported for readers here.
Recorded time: 4:39:45
